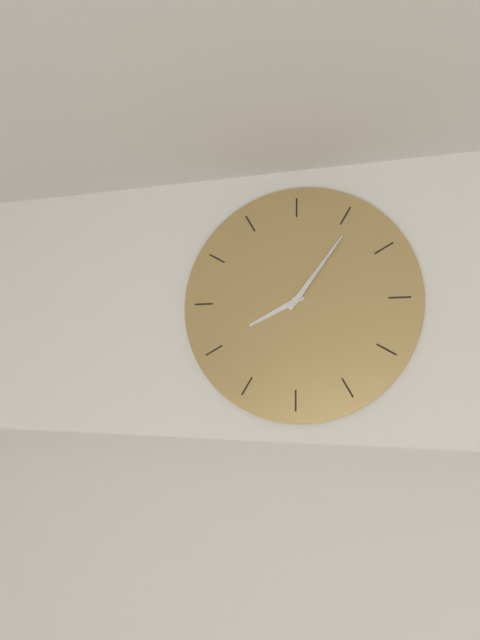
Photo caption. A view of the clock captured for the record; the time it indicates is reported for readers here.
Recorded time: 8:06
